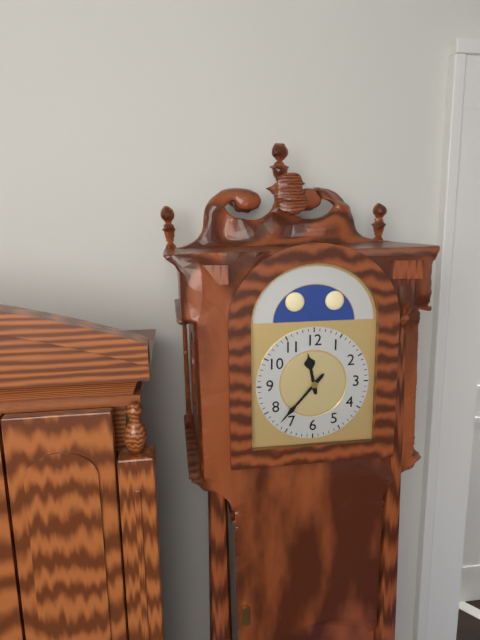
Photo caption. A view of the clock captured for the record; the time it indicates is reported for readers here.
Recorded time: 11:37
